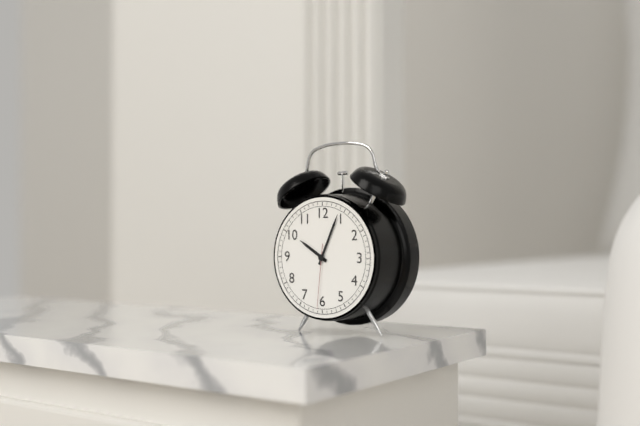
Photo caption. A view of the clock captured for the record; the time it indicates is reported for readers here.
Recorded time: 10:04:31
